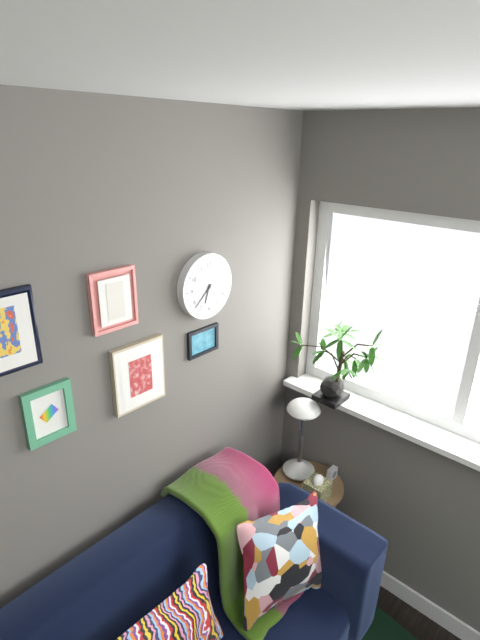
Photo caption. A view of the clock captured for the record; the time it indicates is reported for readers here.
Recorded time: 6:38
